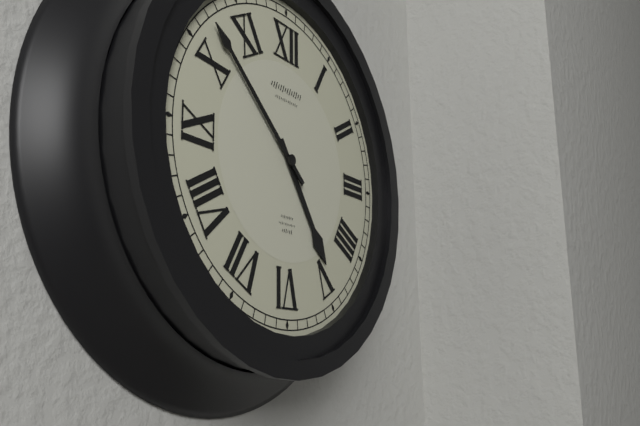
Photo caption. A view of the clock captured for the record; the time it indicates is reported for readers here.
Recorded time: 4:52
